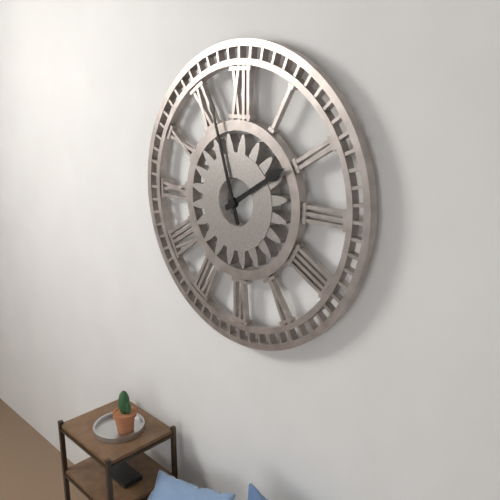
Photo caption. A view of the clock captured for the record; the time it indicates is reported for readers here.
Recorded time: 1:57
